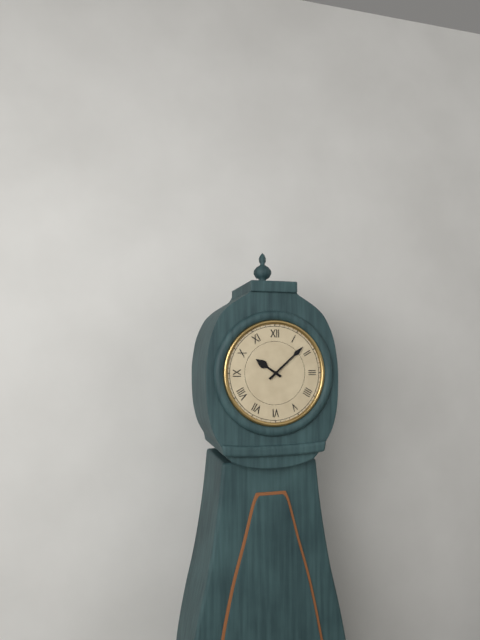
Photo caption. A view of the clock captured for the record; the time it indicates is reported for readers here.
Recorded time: 10:08
